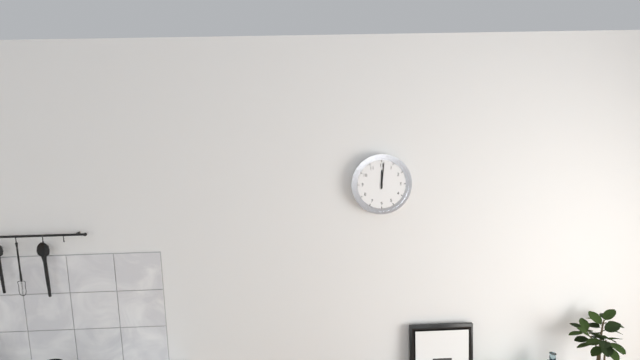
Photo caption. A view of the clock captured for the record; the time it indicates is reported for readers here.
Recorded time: 12:01
